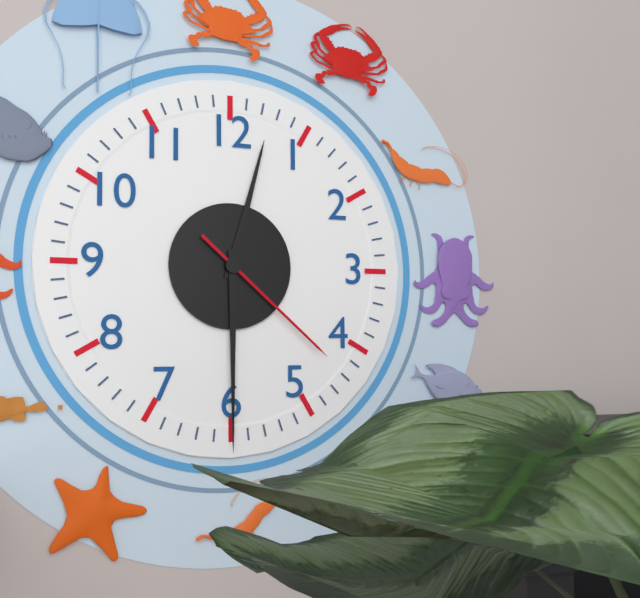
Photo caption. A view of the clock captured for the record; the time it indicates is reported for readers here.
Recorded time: 12:30:22
